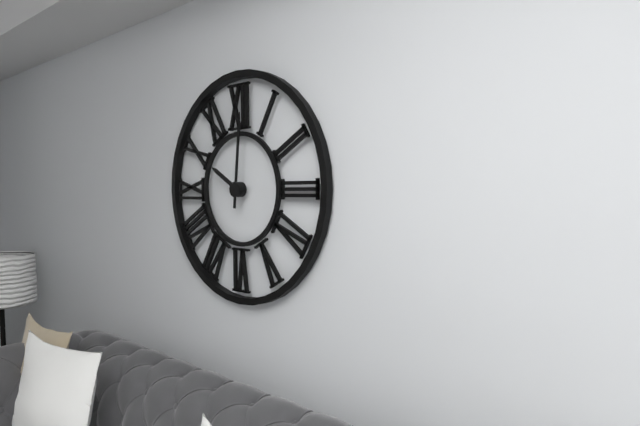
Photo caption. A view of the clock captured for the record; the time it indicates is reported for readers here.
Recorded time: 10:01
